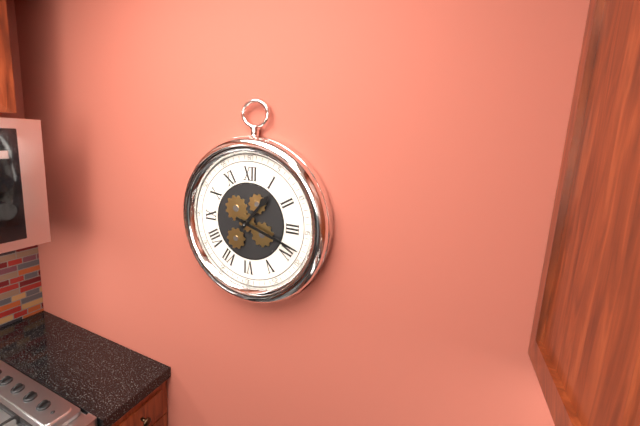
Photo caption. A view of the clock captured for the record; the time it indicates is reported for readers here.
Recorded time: 1:18
